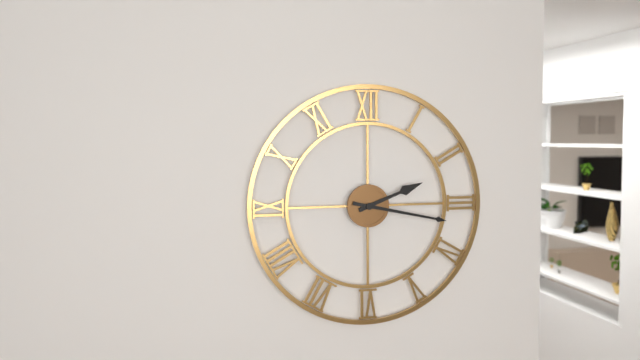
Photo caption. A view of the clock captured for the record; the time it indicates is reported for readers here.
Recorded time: 2:17
